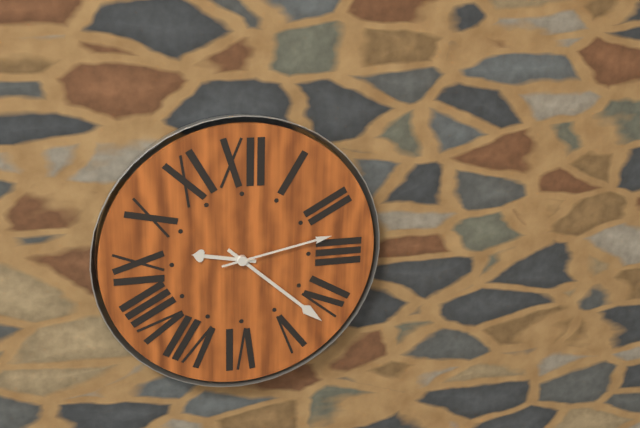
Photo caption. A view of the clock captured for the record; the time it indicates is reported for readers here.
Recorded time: 9:22:13
